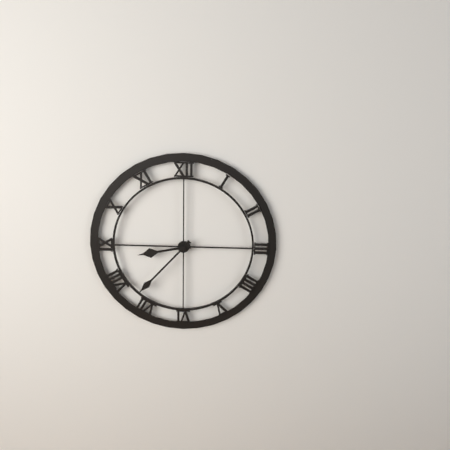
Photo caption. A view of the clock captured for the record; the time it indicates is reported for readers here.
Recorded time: 8:37
